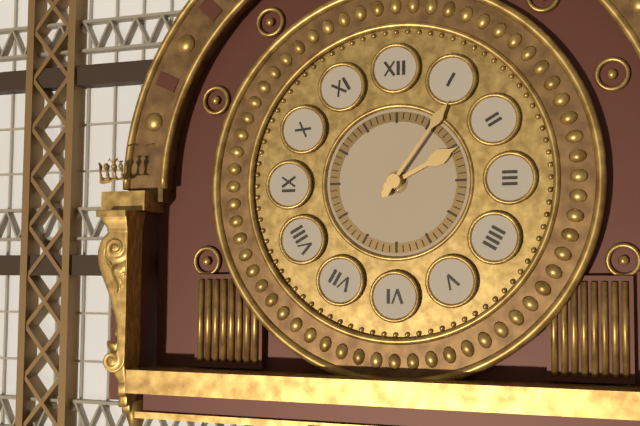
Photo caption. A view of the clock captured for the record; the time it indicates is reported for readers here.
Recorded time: 2:06
